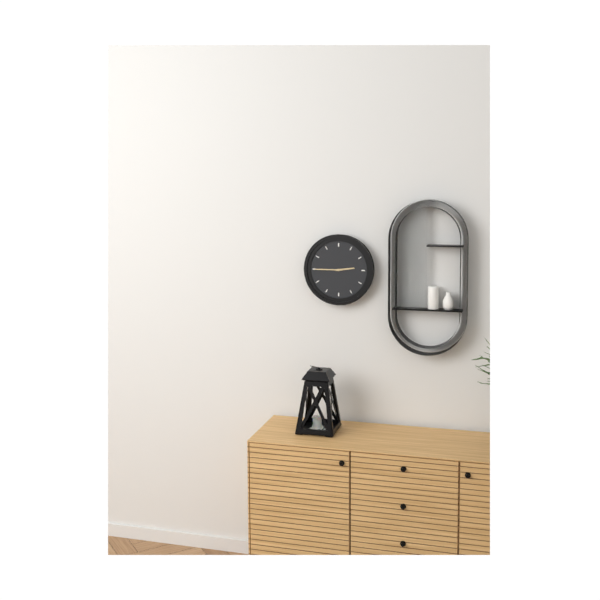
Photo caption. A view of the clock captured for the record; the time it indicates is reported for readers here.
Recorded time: 2:45
